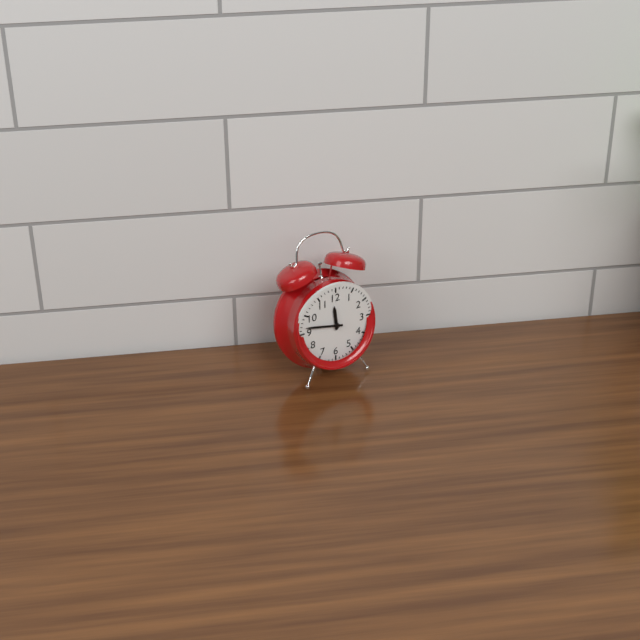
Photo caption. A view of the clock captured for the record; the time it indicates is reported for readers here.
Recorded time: 11:47
